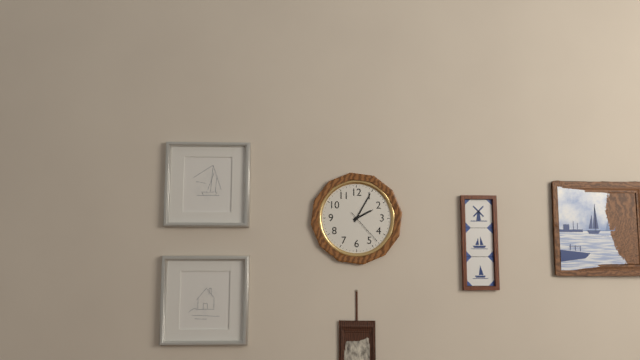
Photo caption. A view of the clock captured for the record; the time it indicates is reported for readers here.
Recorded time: 2:05
